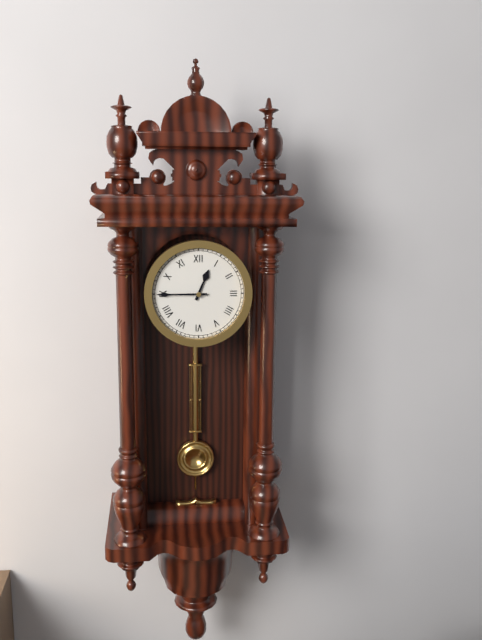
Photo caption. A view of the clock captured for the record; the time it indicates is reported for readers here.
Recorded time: 12:45
